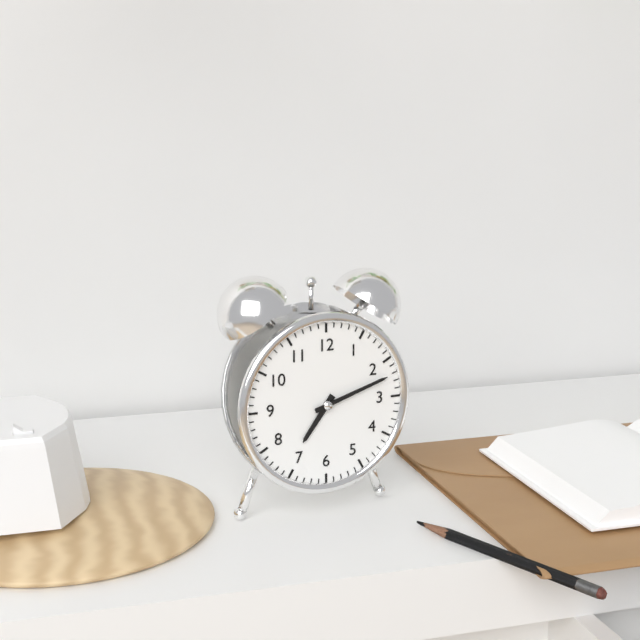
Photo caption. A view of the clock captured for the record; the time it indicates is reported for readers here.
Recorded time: 7:12
